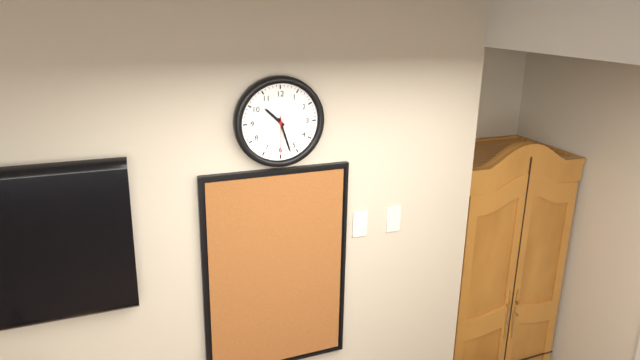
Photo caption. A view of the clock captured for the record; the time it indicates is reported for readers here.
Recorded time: 10:27
